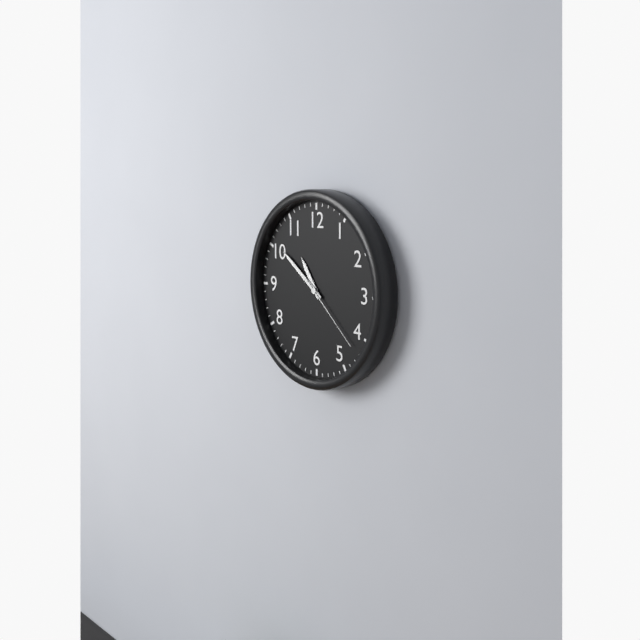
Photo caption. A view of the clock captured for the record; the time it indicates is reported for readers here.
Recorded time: 10:51:22
